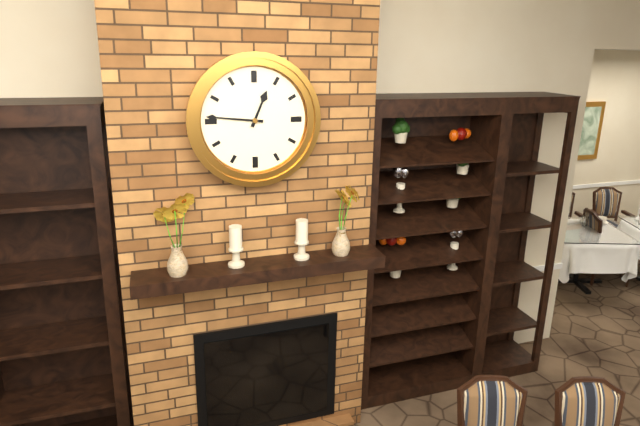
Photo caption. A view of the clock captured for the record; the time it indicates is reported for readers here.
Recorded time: 12:46
